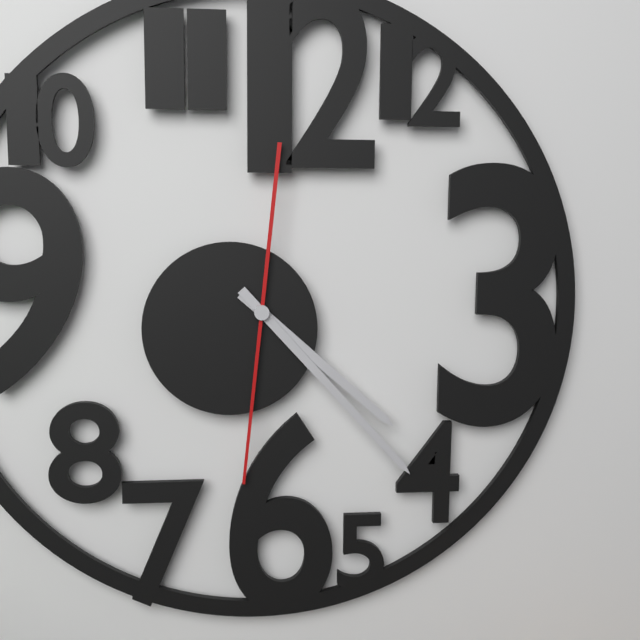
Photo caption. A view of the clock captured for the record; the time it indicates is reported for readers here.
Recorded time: 4:23:31
